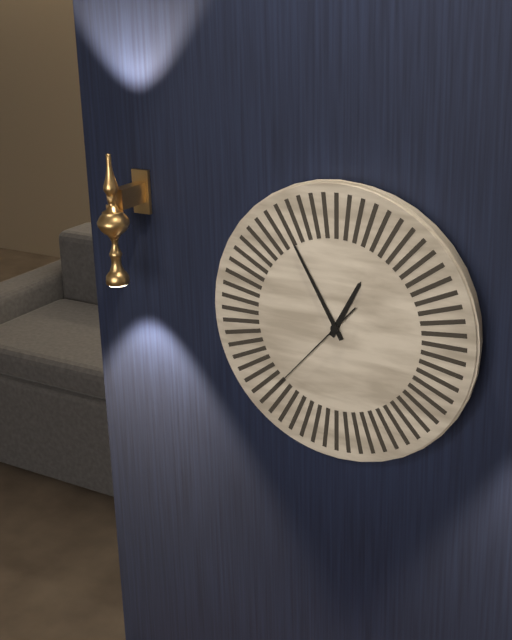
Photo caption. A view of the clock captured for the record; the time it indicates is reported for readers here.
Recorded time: 12:55:37
